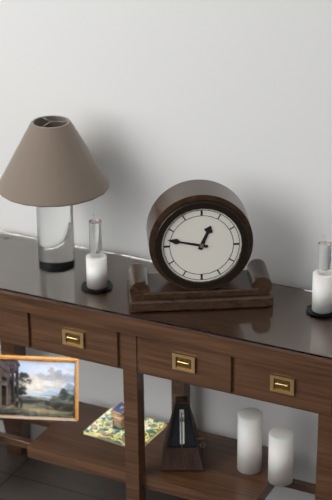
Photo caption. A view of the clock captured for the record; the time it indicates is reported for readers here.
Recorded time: 12:47
